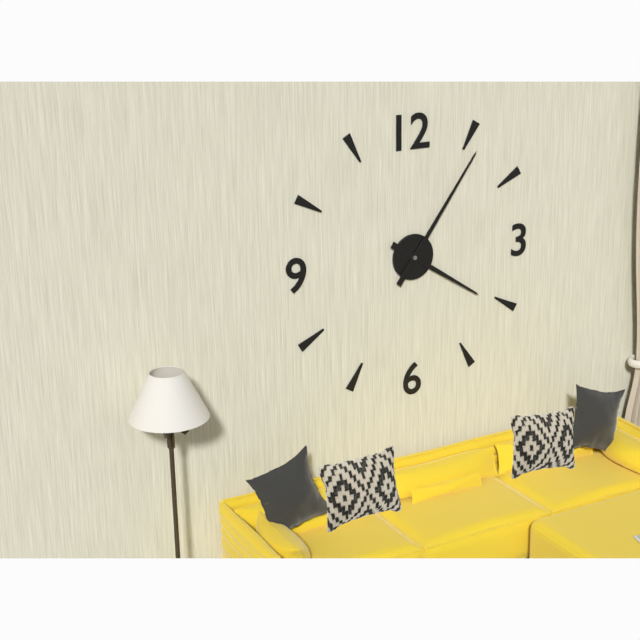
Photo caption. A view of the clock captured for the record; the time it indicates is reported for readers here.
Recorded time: 4:06
